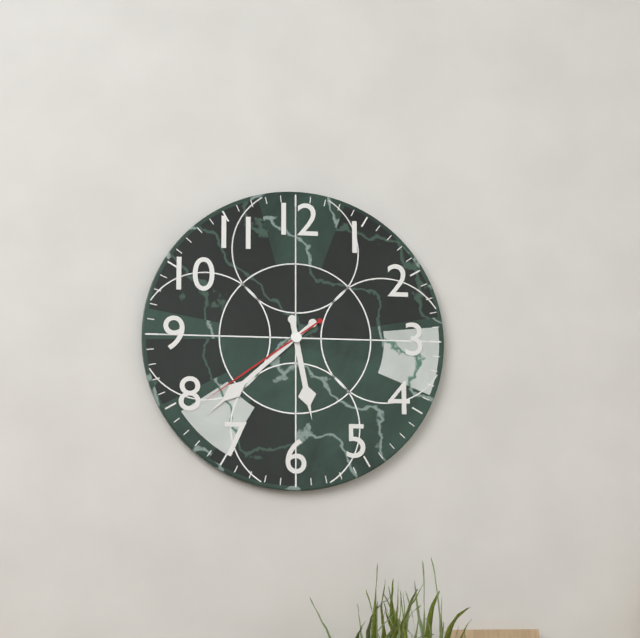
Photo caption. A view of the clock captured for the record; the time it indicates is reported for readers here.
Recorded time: 5:38:39
